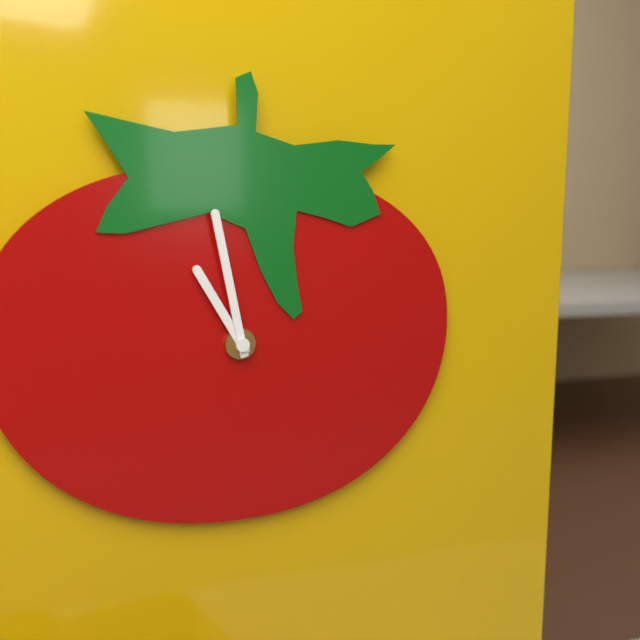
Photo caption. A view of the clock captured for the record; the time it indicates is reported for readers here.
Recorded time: 10:58
